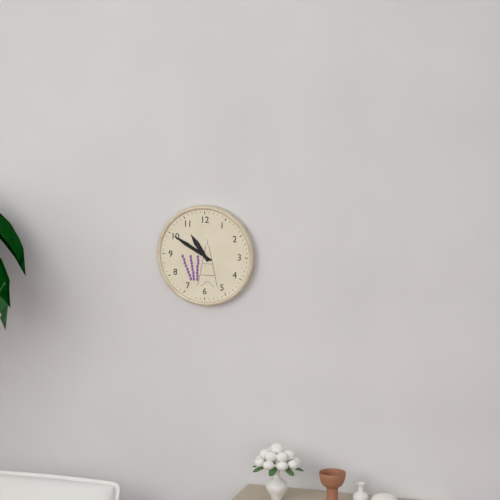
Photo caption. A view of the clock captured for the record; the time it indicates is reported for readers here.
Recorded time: 10:50
